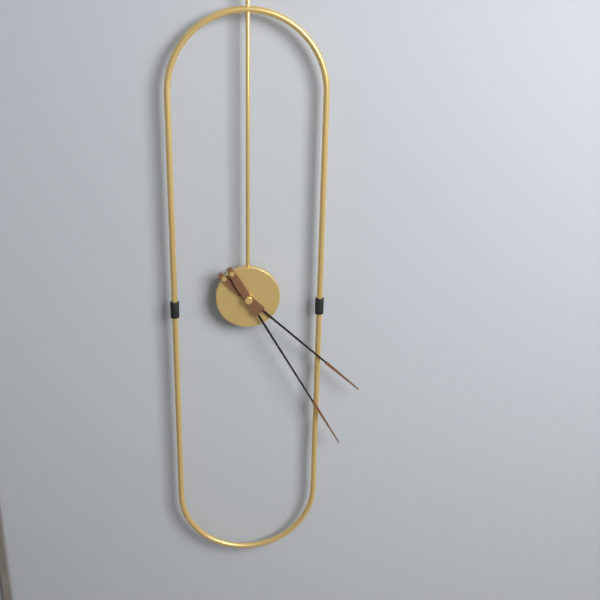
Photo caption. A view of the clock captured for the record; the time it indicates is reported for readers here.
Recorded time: 4:25
